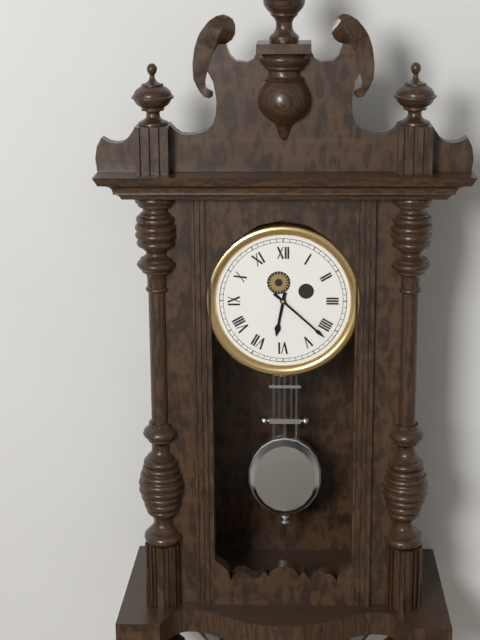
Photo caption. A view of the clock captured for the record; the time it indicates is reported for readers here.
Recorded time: 6:22
